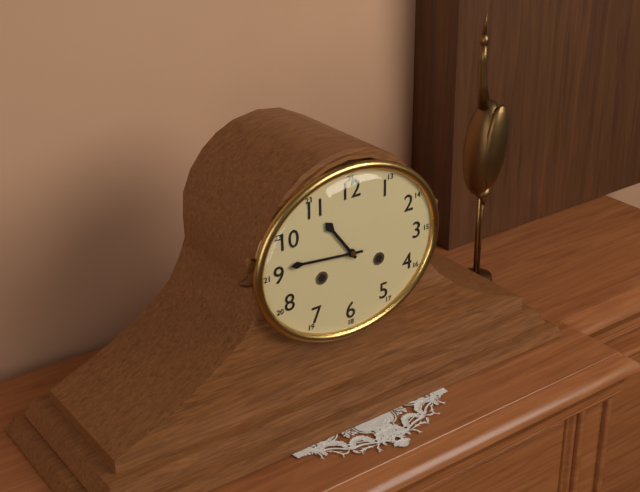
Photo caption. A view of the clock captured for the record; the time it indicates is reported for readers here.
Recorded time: 10:46
